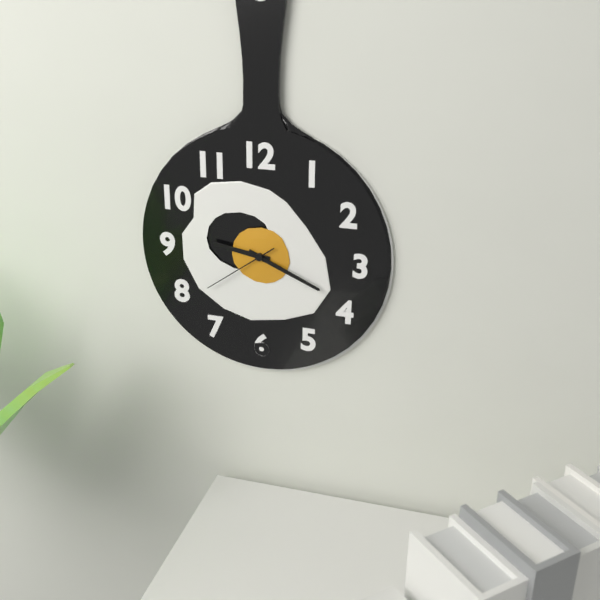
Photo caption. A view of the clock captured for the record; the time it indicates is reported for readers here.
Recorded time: 9:19:39
